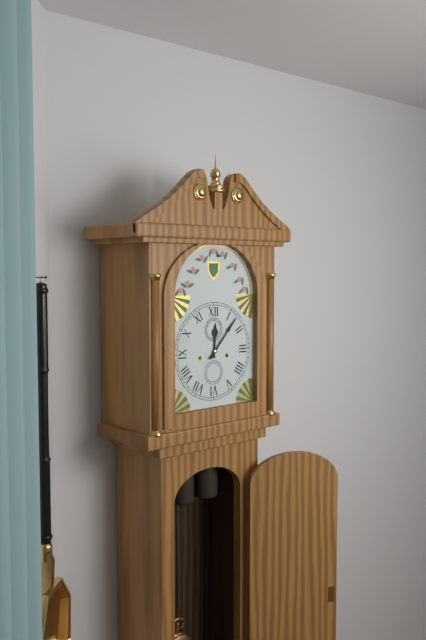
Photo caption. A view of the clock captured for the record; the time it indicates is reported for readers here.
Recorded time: 12:07
